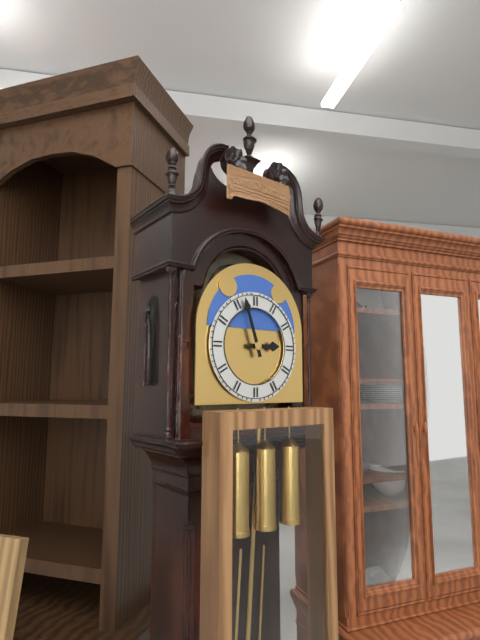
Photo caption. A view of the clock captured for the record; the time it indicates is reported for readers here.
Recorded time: 2:57
